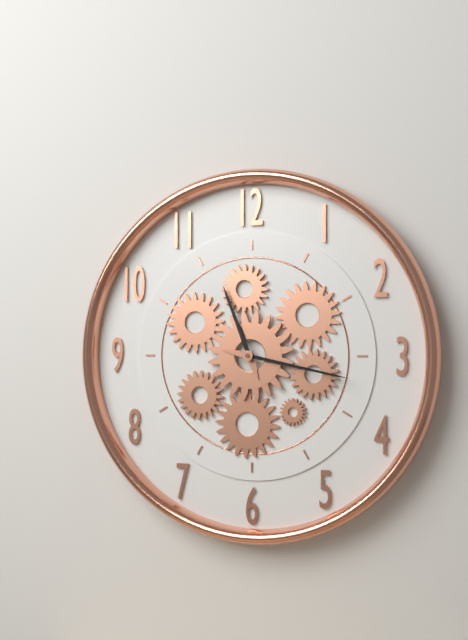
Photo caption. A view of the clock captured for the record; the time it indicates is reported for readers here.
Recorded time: 11:17
